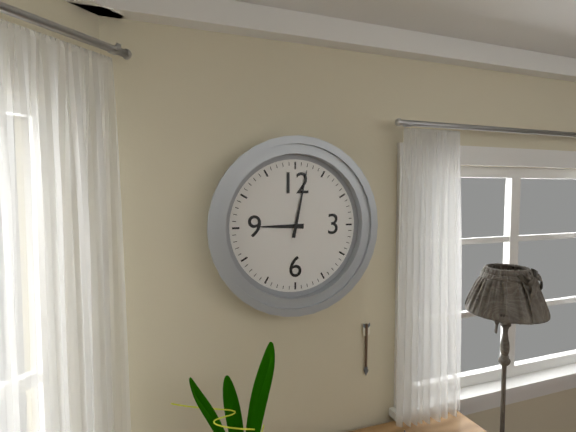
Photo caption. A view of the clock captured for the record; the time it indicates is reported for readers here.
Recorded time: 9:02
